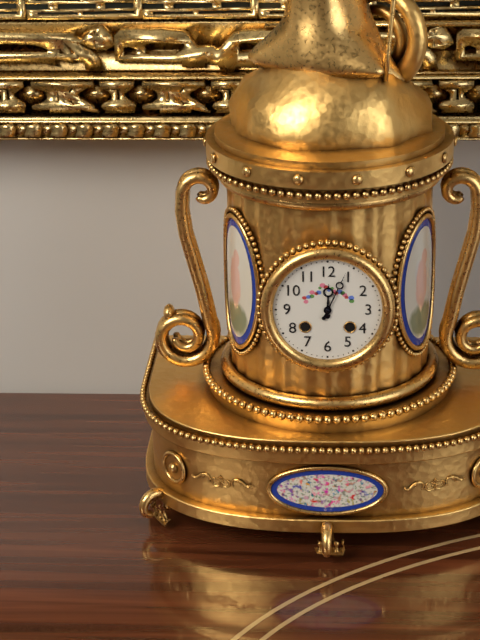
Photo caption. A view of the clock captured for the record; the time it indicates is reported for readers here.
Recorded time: 12:04
